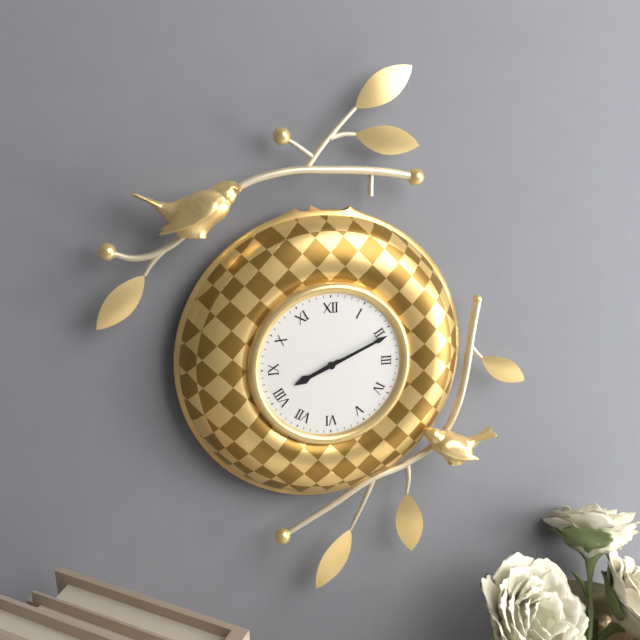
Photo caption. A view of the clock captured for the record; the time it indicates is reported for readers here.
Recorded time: 8:11
